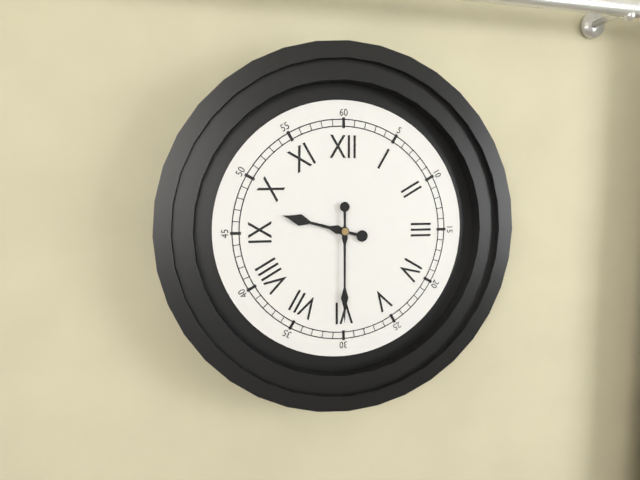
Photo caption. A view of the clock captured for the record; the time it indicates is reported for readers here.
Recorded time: 9:30
